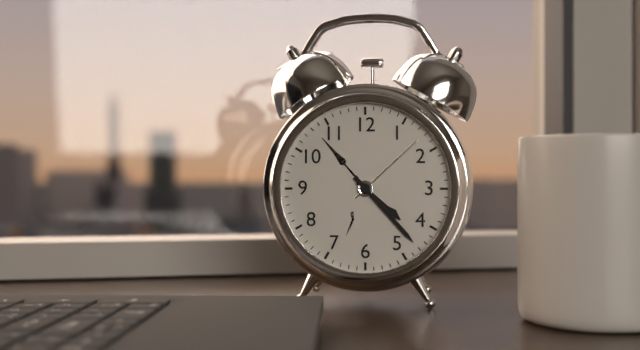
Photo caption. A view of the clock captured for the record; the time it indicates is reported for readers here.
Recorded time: 4:23
